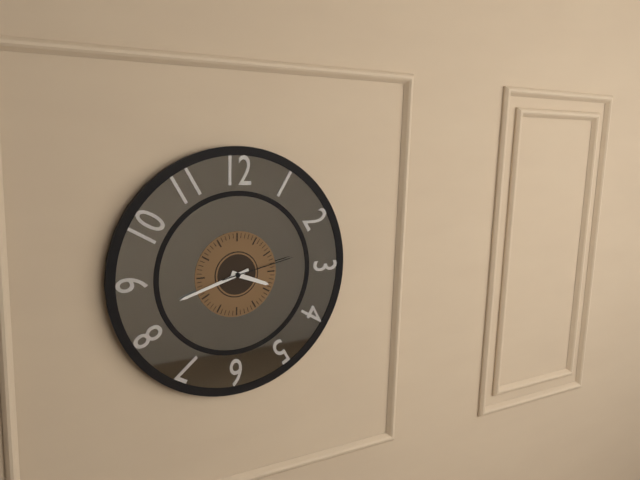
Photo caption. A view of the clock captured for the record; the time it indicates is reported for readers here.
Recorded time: 3:42:13
